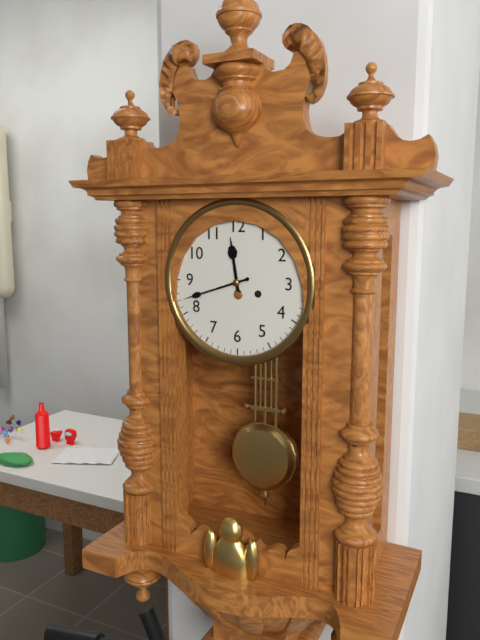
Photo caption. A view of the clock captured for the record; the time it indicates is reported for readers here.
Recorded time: 11:42
